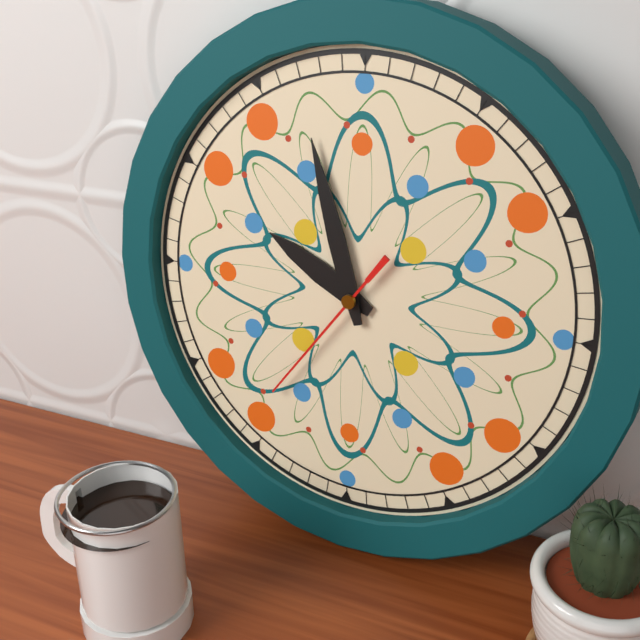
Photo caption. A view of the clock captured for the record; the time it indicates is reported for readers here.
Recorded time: 9:57:36
